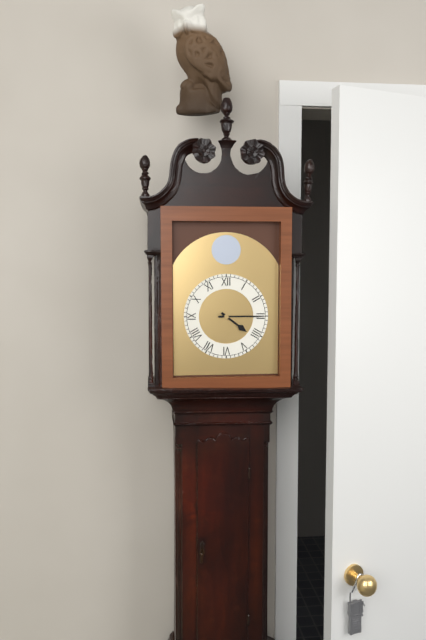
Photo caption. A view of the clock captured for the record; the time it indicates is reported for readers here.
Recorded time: 4:15
